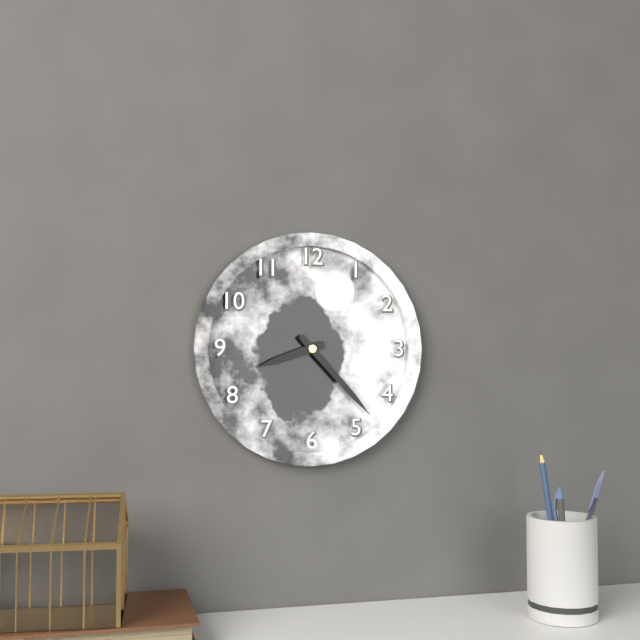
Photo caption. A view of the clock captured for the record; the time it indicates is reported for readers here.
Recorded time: 8:23
